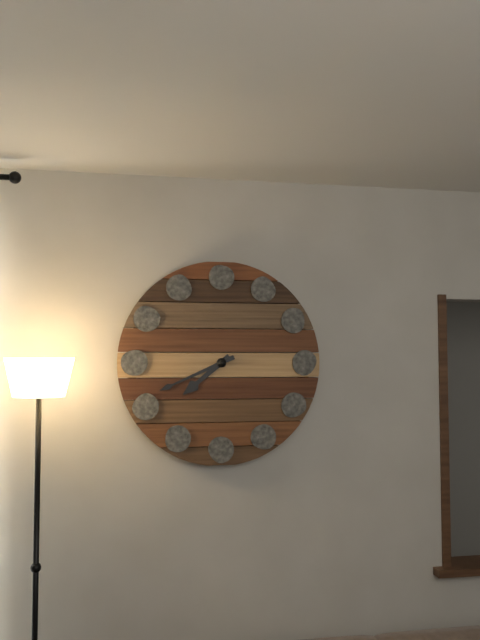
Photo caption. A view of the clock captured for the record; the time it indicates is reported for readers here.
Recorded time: 7:41
